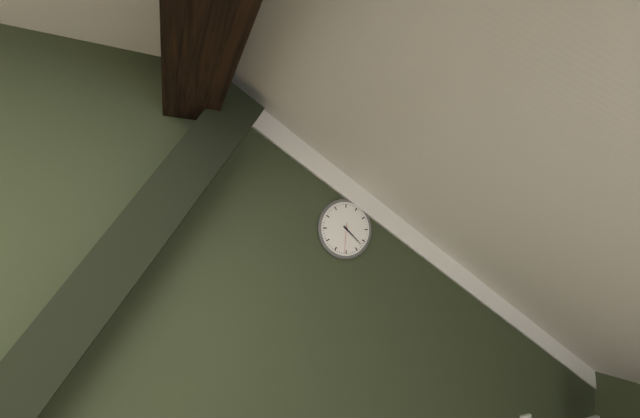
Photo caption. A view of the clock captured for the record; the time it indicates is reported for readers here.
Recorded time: 4:22
